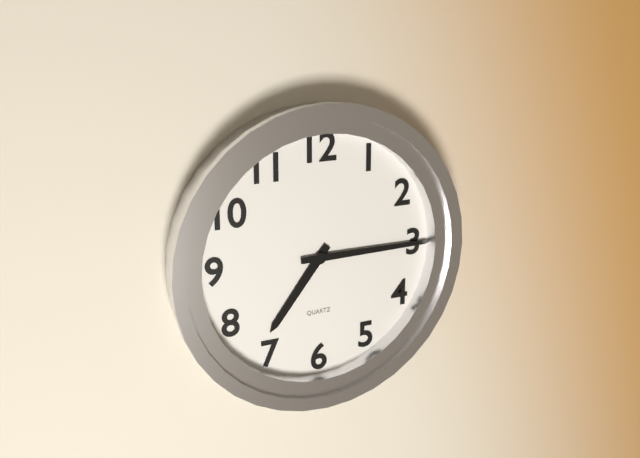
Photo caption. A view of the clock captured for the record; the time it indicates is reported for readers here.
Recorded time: 7:15
